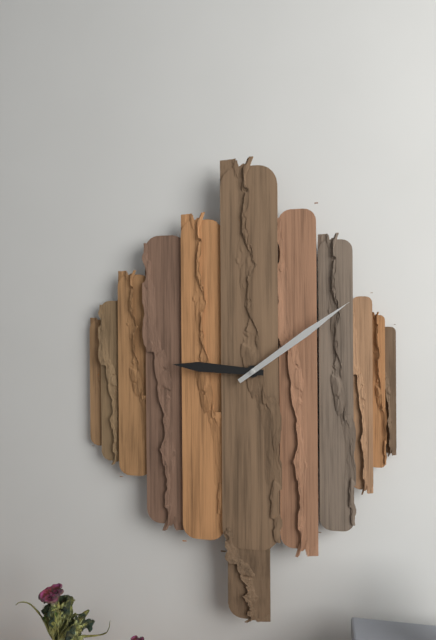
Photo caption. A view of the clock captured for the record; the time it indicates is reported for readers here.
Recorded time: 9:09
